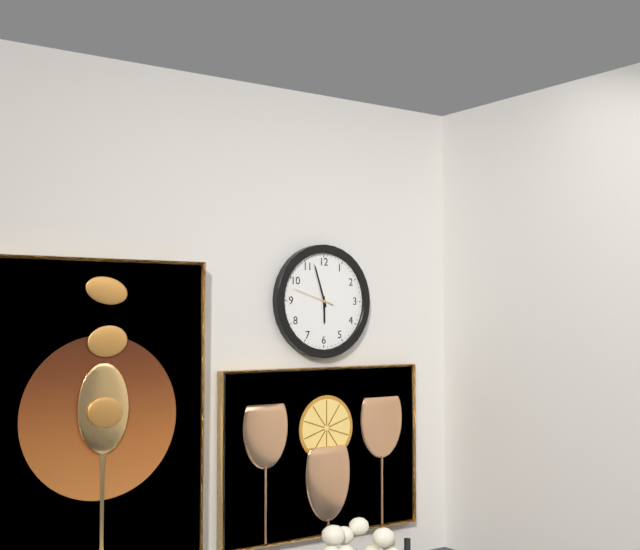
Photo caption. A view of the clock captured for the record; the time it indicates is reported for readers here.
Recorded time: 5:57
